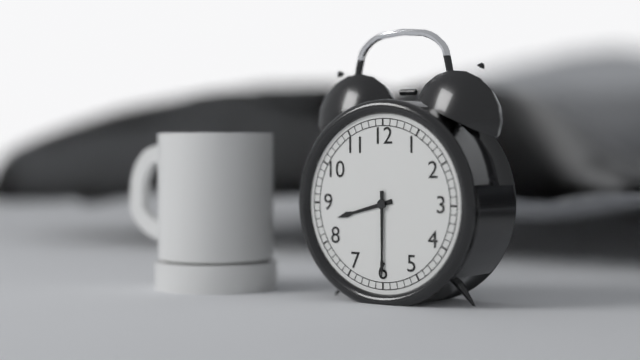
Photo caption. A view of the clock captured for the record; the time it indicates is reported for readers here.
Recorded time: 8:30
